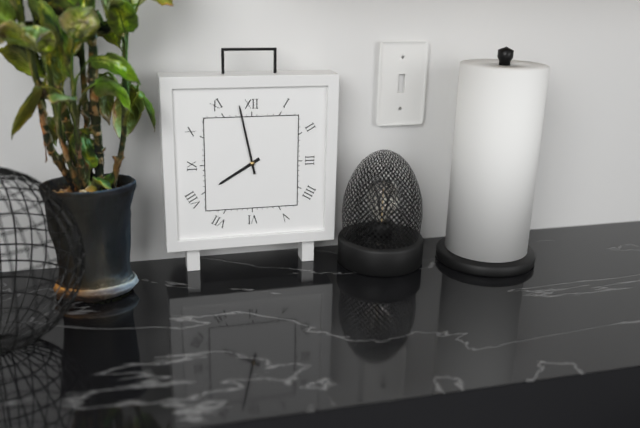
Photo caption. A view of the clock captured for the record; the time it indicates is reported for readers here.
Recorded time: 7:58
